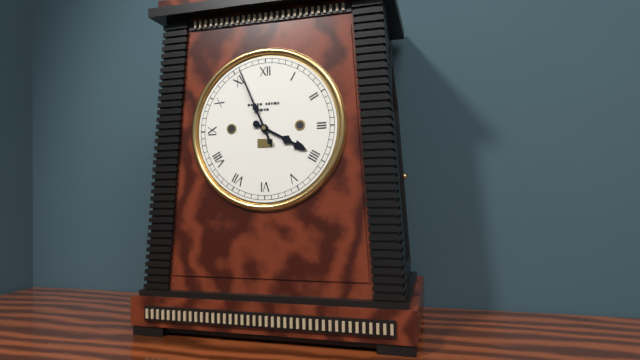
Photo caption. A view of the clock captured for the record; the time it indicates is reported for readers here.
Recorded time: 3:56
